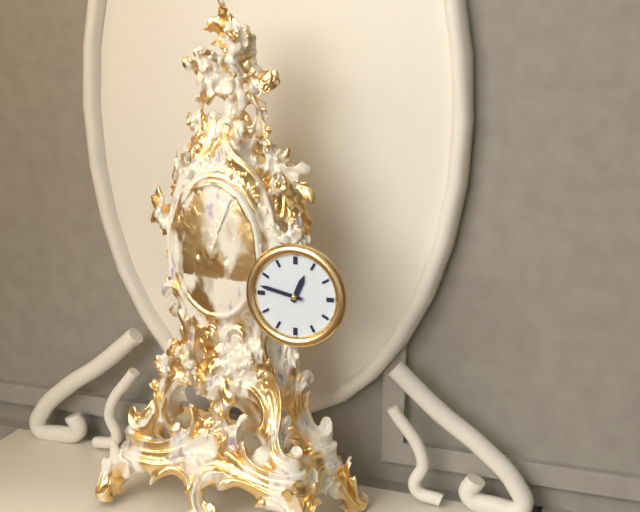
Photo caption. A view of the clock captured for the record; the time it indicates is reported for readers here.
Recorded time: 12:47
